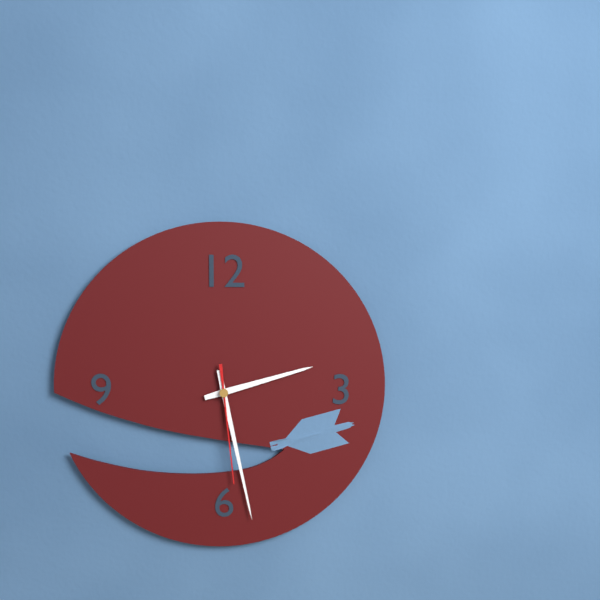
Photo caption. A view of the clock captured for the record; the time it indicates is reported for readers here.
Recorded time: 2:28:29
